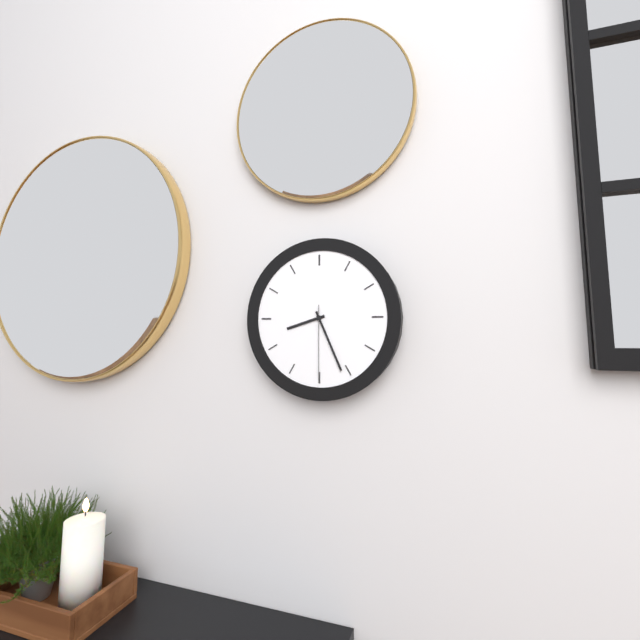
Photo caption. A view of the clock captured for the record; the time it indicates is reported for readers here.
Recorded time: 8:26:30
